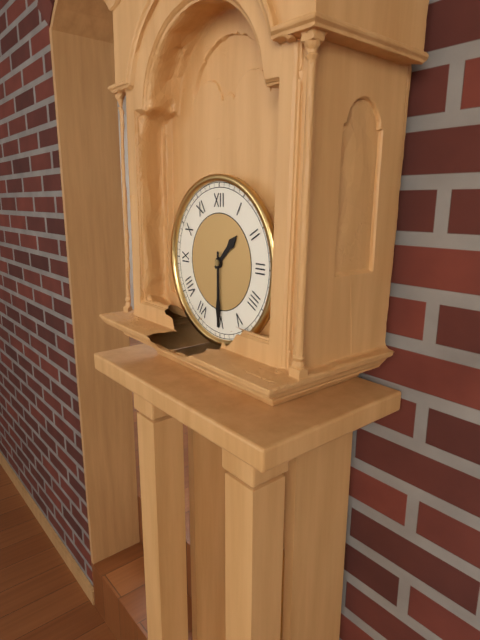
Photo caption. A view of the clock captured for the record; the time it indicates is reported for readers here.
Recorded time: 1:30
